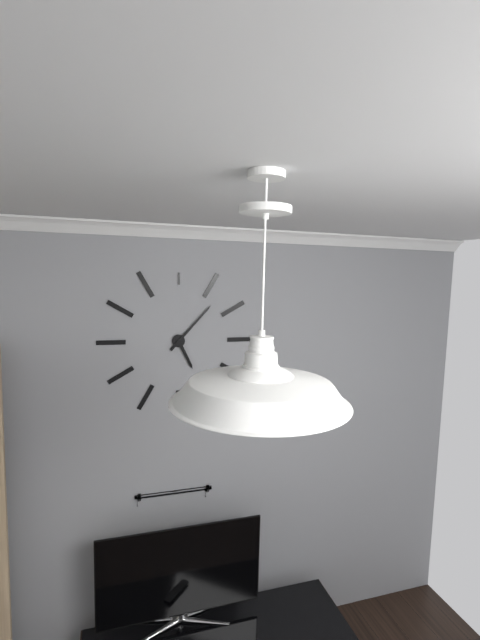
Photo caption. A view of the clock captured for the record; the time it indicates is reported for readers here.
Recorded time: 5:07
